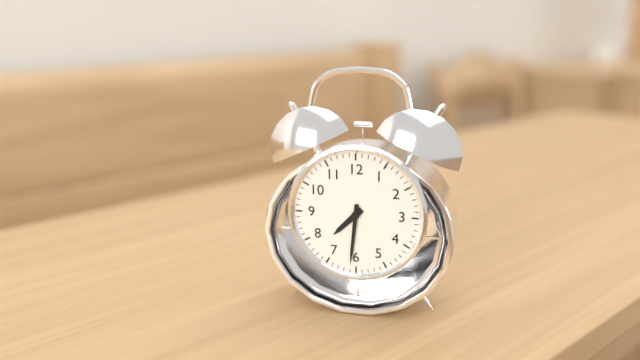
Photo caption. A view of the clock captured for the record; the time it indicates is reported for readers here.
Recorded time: 7:31
